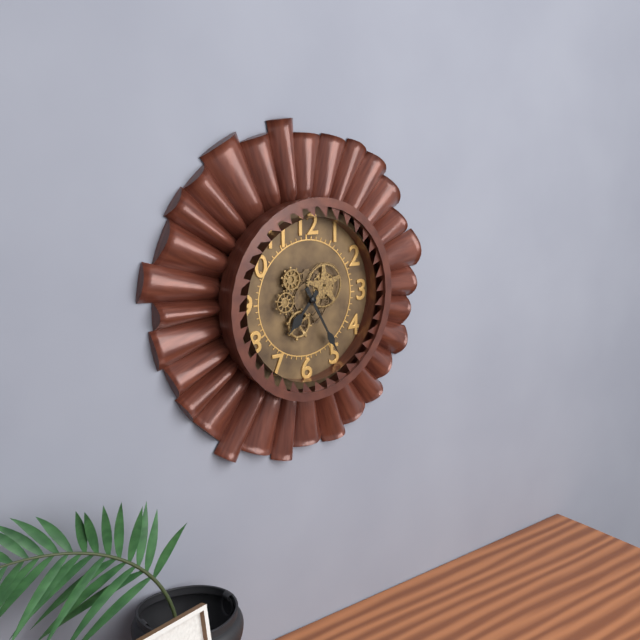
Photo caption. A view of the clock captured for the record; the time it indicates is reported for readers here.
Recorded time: 7:25
